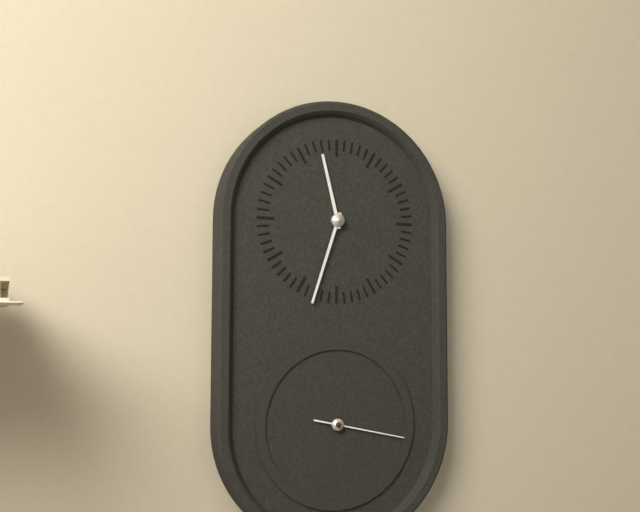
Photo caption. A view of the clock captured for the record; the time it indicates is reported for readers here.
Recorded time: 11:33:17
